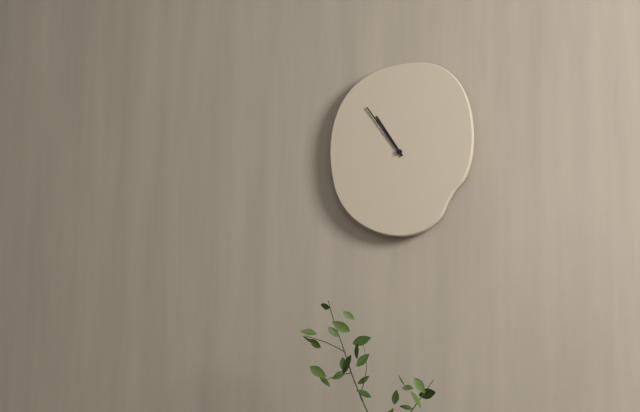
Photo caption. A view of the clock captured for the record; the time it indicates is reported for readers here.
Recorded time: 10:54
